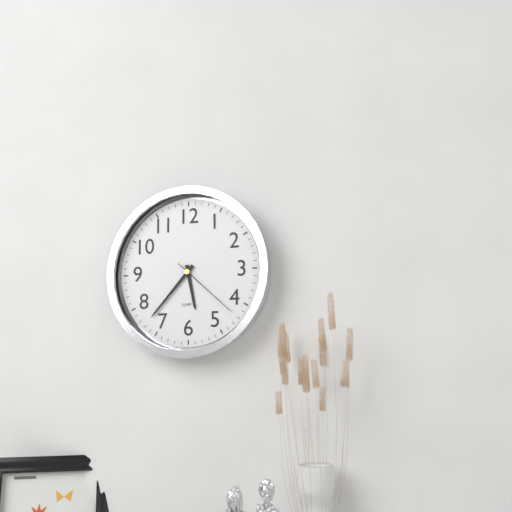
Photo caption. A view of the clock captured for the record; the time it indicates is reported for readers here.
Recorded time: 5:37:22
